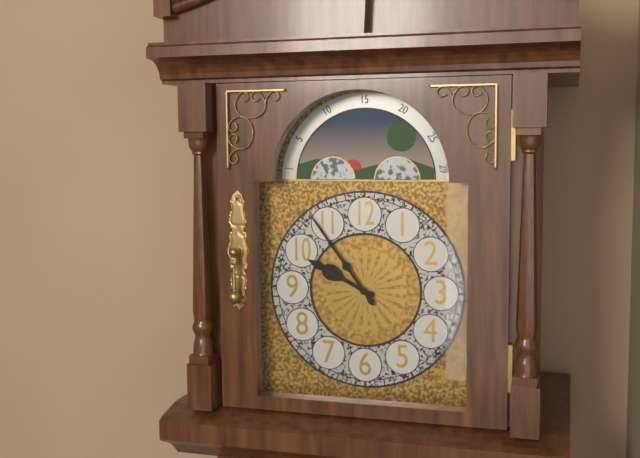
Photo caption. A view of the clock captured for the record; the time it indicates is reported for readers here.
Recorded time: 9:54
